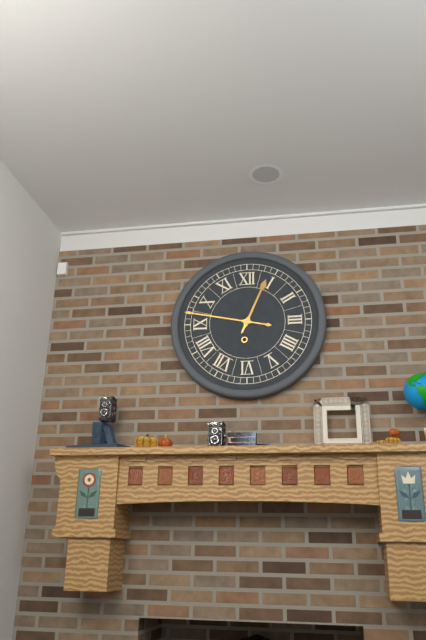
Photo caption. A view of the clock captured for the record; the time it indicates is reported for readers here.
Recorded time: 12:47
